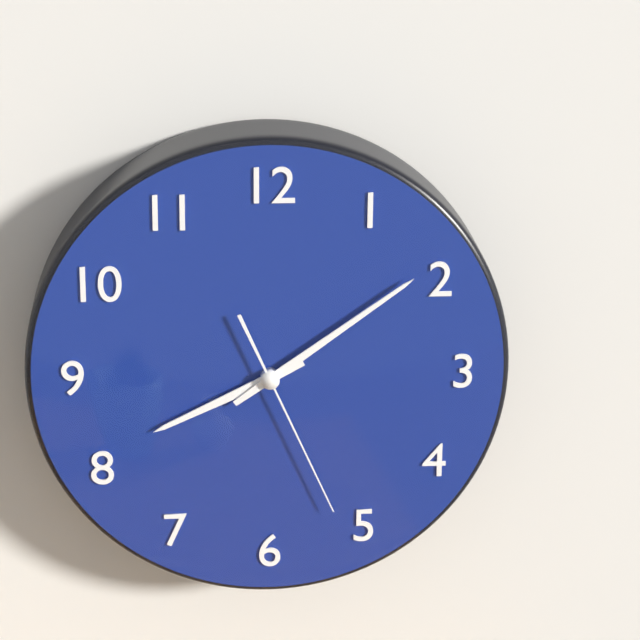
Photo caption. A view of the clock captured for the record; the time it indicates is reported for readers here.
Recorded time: 8:09:26
